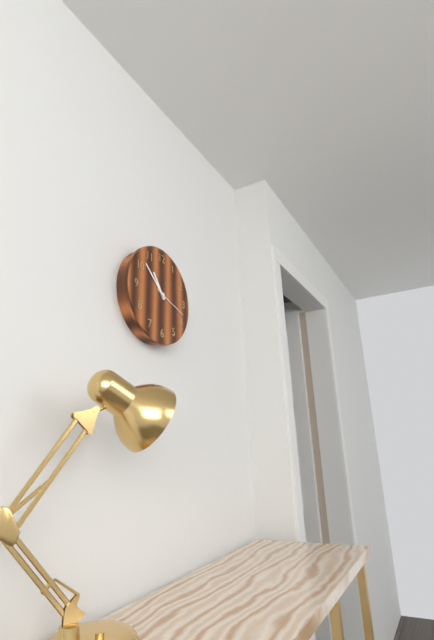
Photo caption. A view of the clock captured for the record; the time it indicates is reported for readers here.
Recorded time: 10:52
